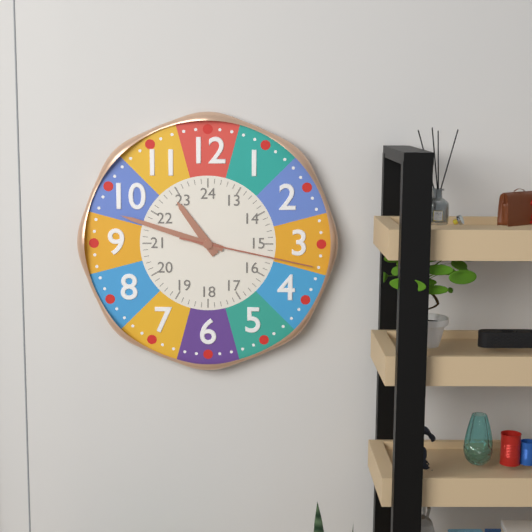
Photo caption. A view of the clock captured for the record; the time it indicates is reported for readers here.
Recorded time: 10:48:17
